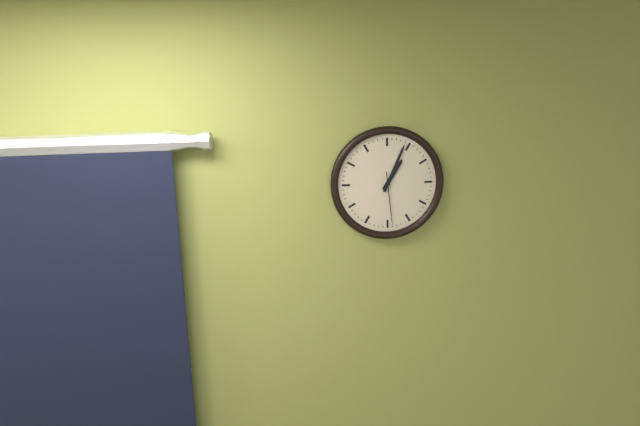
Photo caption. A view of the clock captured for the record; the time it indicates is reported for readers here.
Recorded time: 1:04:29
